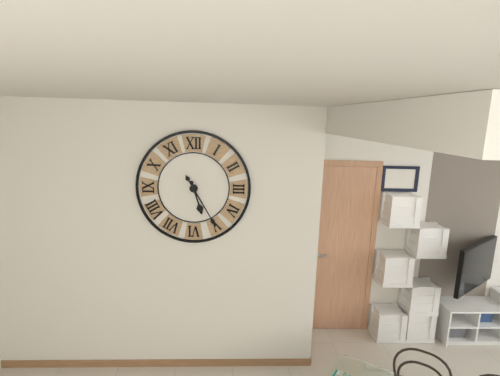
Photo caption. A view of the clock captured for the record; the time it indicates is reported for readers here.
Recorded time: 5:25
